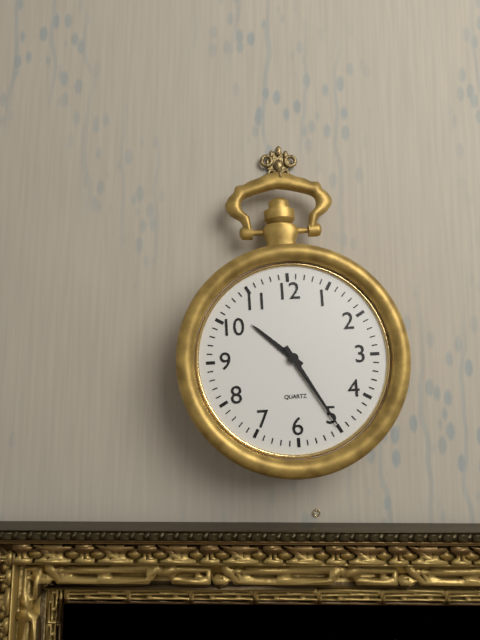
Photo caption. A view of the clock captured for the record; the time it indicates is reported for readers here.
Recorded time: 10:25
